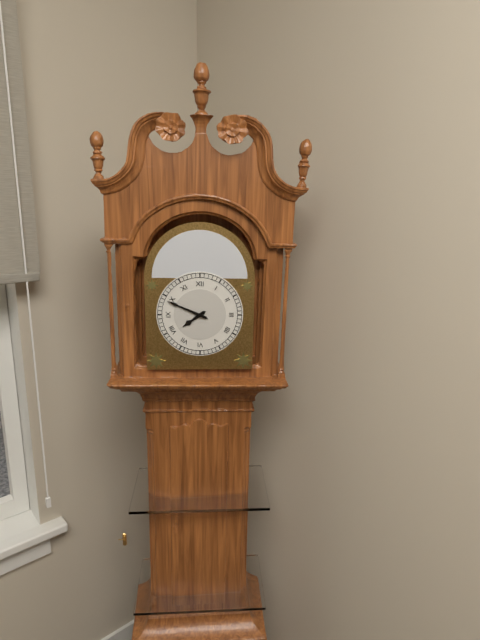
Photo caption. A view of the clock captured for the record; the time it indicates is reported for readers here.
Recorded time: 7:49
